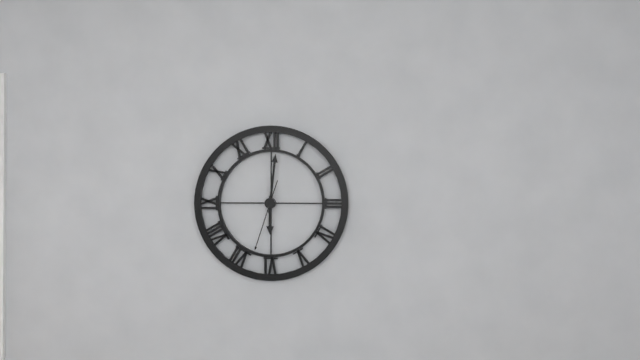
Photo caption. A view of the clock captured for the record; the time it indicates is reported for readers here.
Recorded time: 6:01:33
